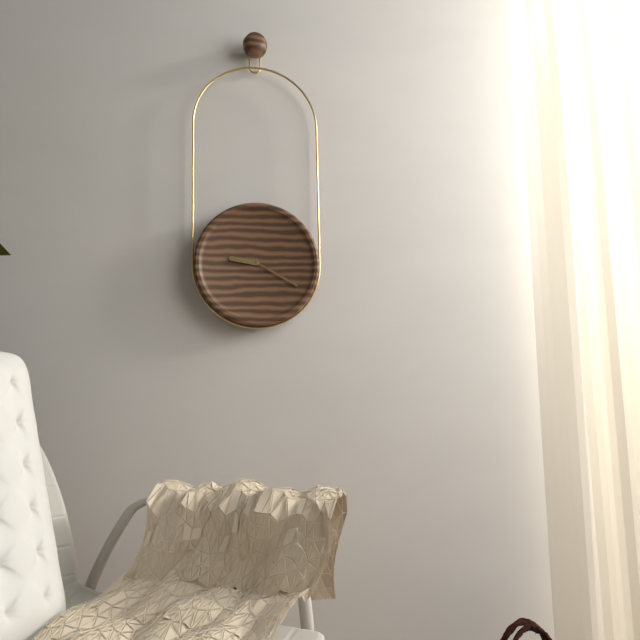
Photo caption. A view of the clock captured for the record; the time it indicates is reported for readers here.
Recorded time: 9:20
